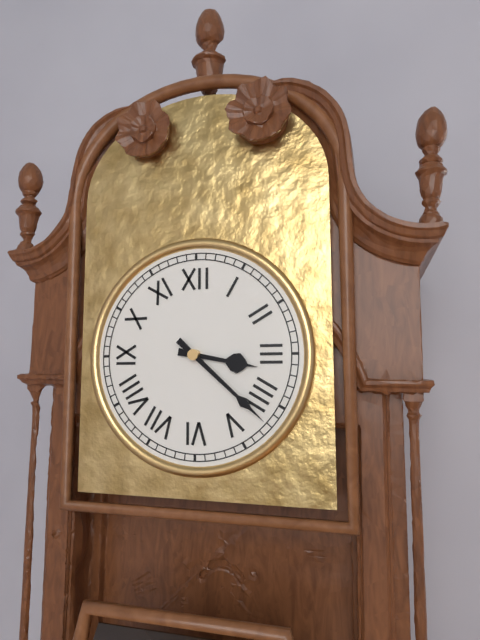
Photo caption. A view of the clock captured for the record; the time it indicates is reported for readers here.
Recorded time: 3:22
